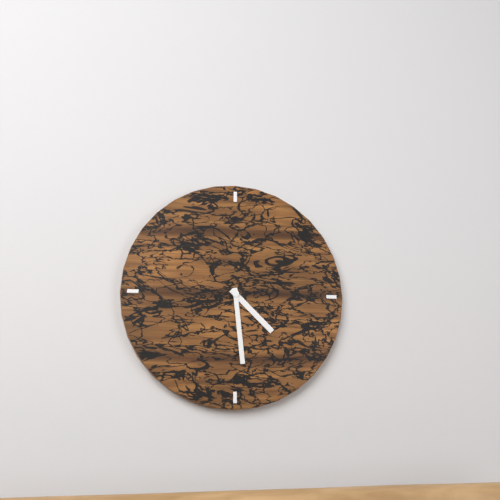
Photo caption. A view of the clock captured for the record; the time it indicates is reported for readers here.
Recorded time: 4:29
